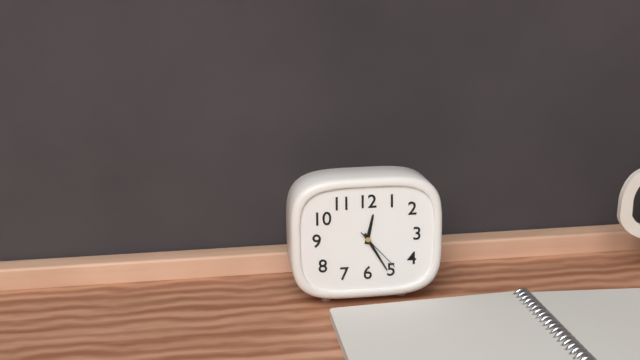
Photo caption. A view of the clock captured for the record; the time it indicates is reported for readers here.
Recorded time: 12:25
